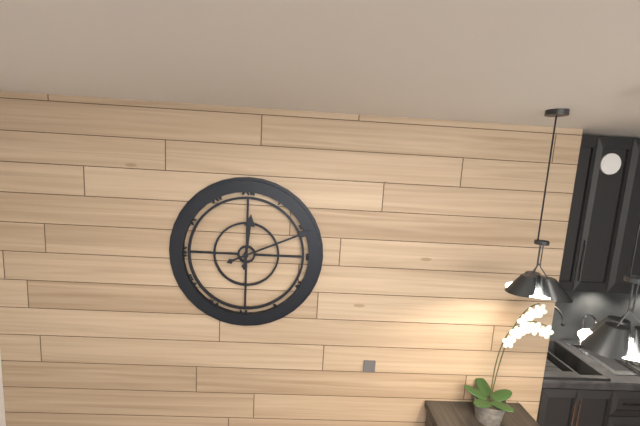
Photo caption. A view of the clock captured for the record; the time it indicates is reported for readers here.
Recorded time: 12:11
